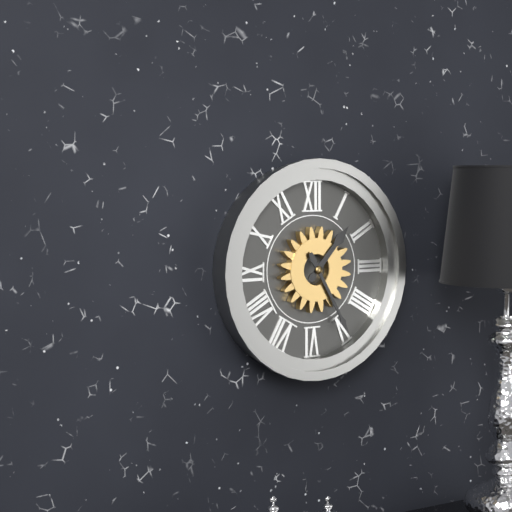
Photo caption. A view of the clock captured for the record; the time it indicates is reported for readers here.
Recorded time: 1:25
